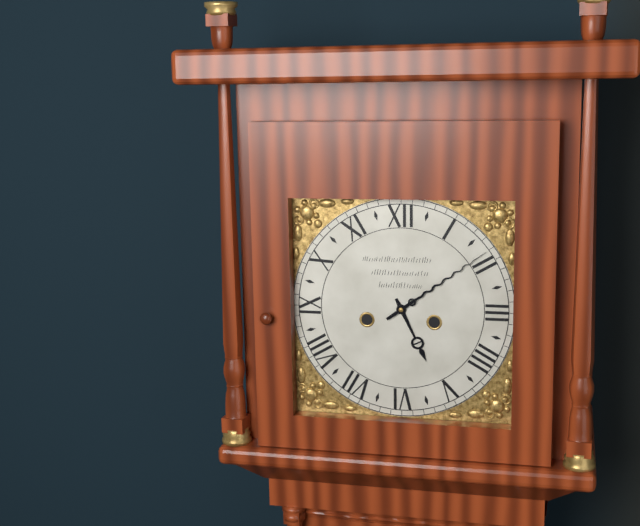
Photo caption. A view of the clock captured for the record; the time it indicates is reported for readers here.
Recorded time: 5:09
